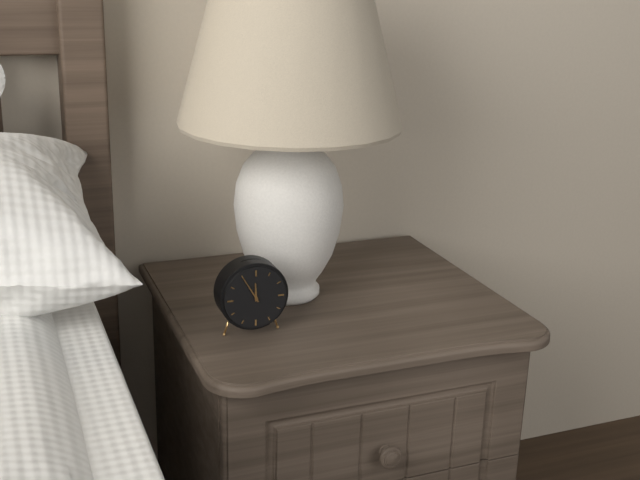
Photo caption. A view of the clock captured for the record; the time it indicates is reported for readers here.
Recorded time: 11:55
